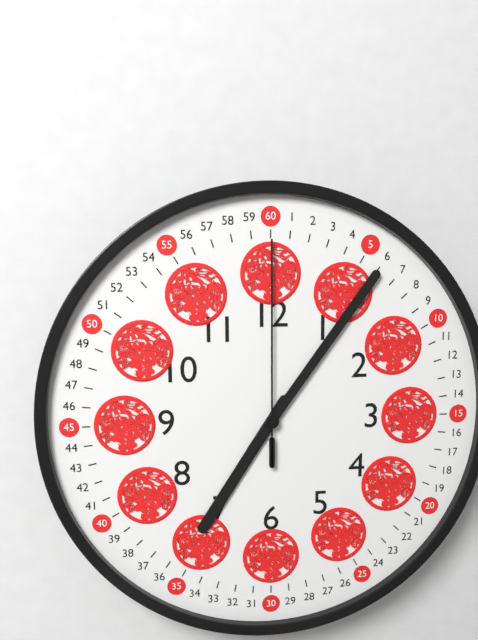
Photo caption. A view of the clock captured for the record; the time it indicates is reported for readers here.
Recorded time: 7:06:00
